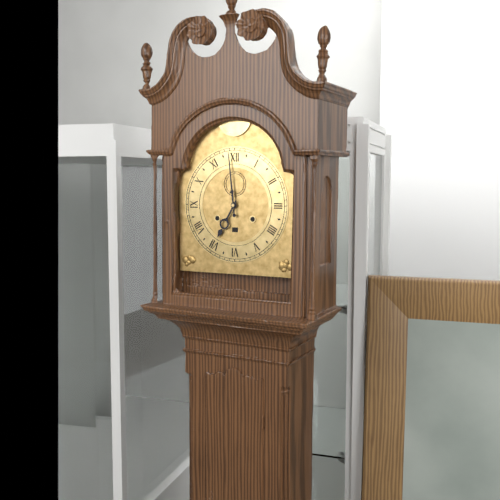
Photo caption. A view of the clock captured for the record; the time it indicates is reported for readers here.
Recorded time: 6:59
